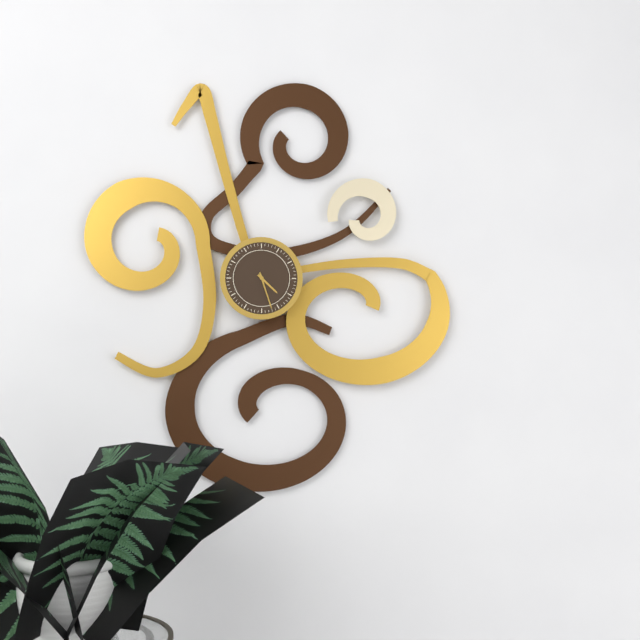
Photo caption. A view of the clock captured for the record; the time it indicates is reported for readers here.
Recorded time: 4:27
